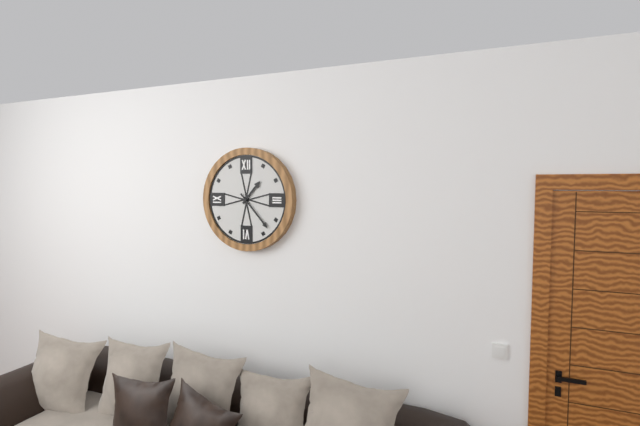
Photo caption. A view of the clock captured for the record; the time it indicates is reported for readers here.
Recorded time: 1:23
